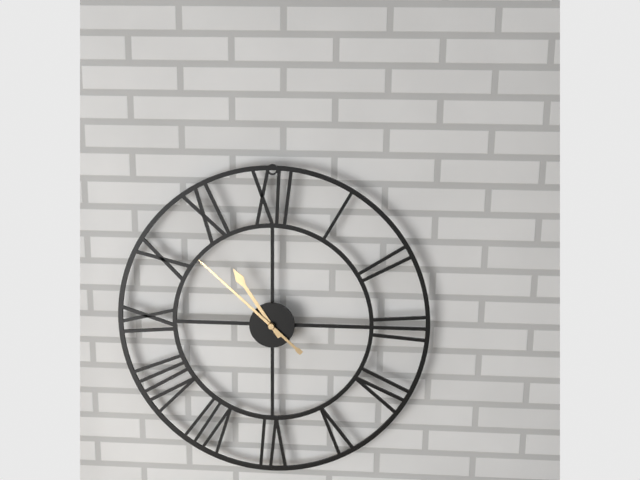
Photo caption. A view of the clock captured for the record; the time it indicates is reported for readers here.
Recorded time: 10:52
